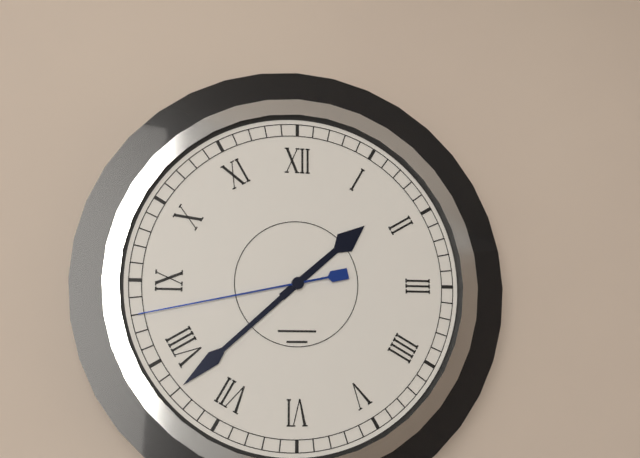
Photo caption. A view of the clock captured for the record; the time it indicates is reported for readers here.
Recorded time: 1:38:43
